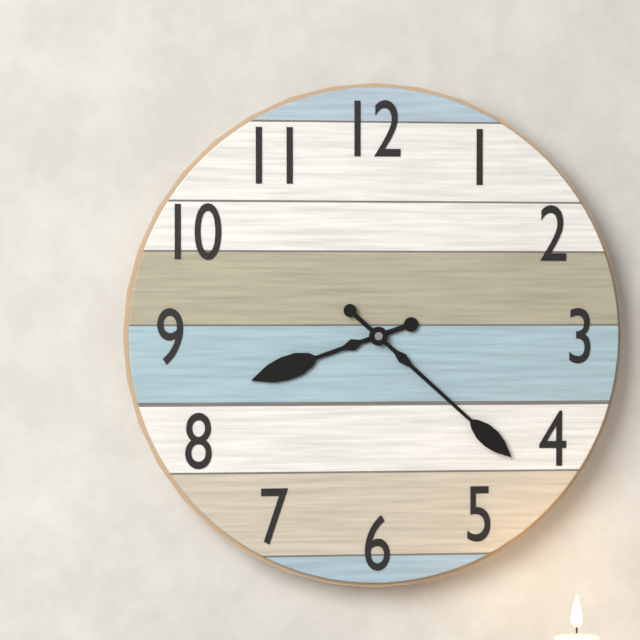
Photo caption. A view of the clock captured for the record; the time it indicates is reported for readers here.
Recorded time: 8:22
